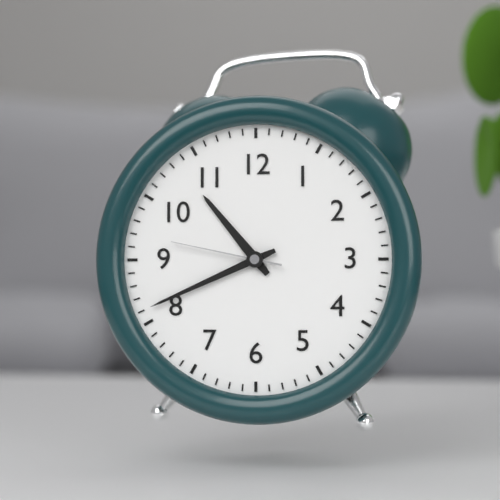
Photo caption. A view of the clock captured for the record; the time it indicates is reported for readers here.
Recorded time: 10:41:47
